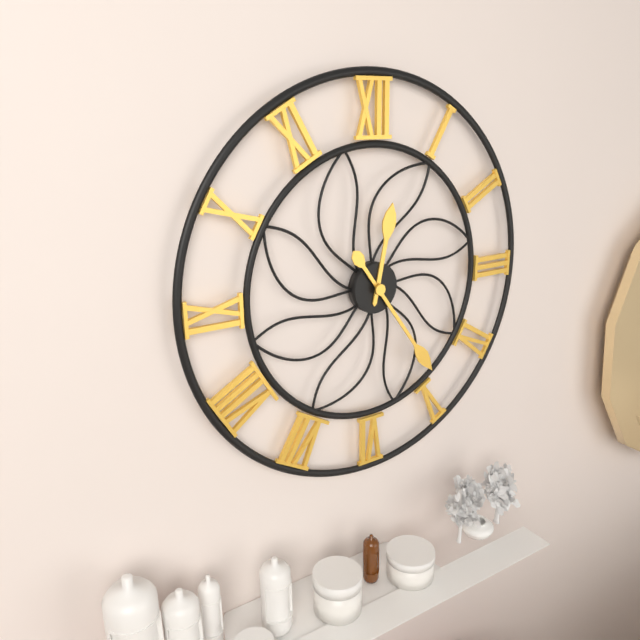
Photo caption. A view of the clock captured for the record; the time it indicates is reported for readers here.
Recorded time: 12:24
